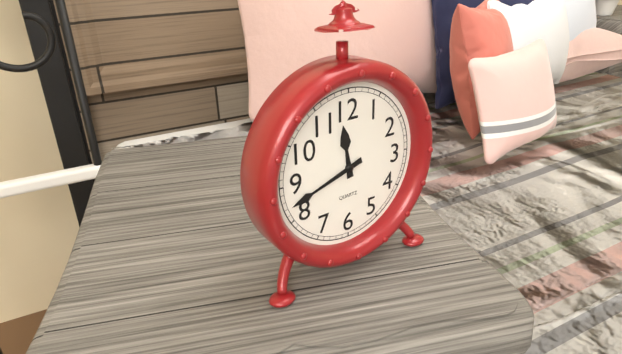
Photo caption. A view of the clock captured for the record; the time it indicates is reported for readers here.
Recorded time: 11:42
